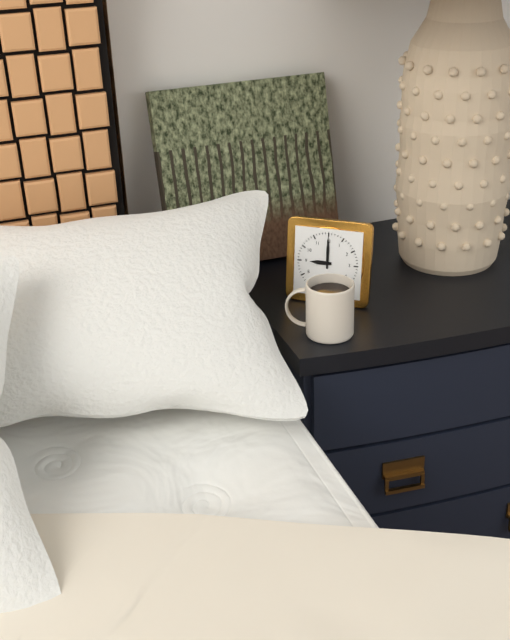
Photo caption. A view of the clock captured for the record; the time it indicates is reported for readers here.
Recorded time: 9:00
